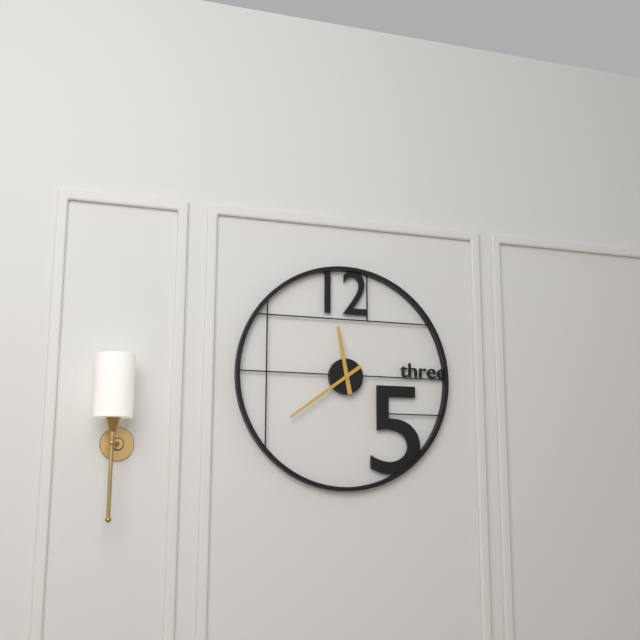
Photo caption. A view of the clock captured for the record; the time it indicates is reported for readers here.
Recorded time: 11:39
